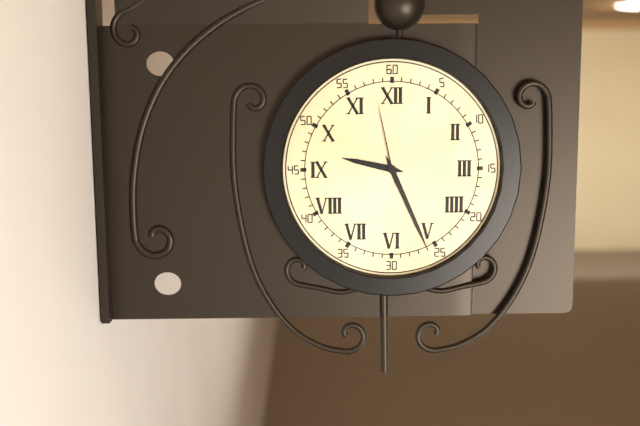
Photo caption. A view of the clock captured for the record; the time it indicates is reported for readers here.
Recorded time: 9:26:58
